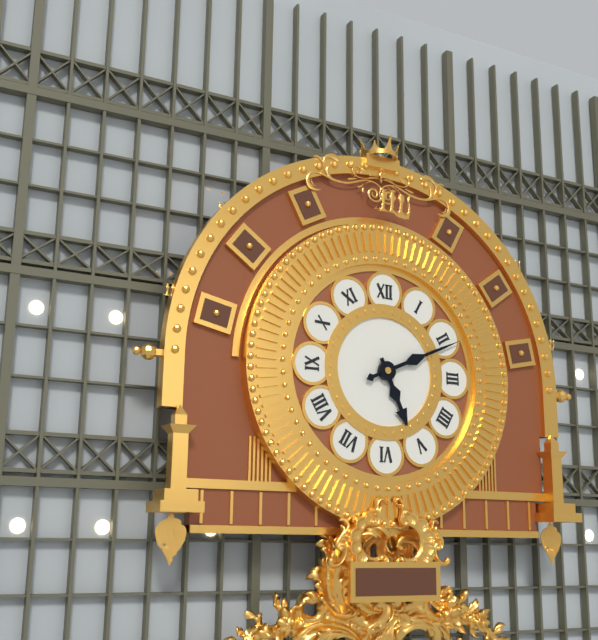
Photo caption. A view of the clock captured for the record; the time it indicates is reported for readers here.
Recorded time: 5:11
